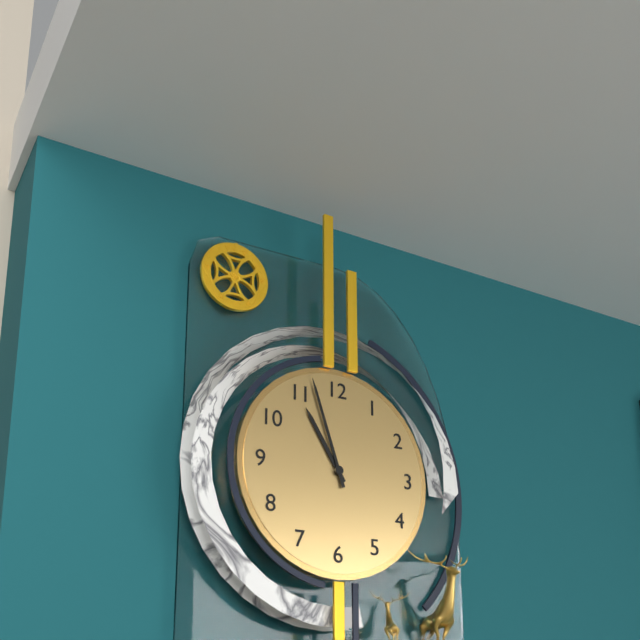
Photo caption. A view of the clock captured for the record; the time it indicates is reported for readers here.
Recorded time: 10:57
